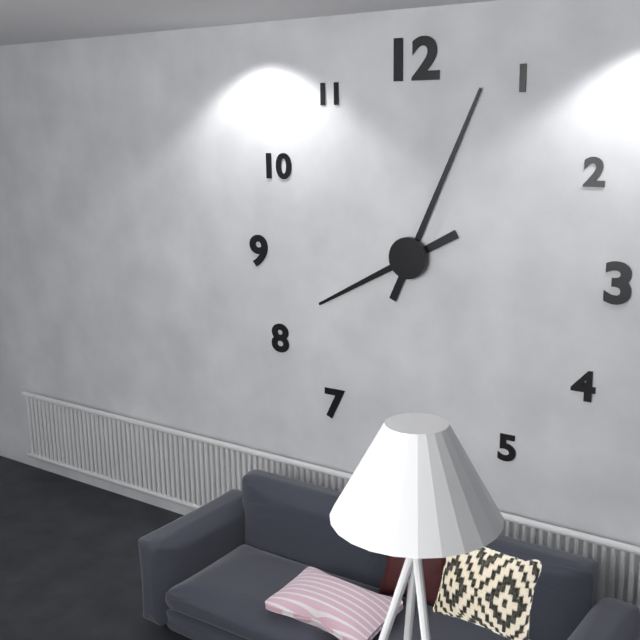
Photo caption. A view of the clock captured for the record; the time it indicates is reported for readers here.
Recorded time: 8:04
